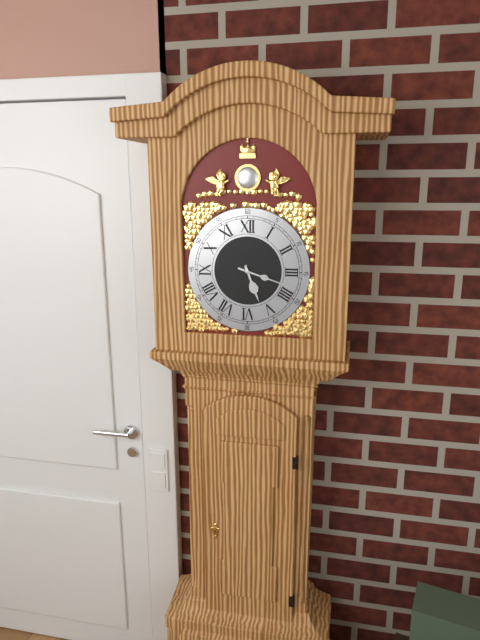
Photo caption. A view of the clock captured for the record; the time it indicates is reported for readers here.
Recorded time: 5:18
